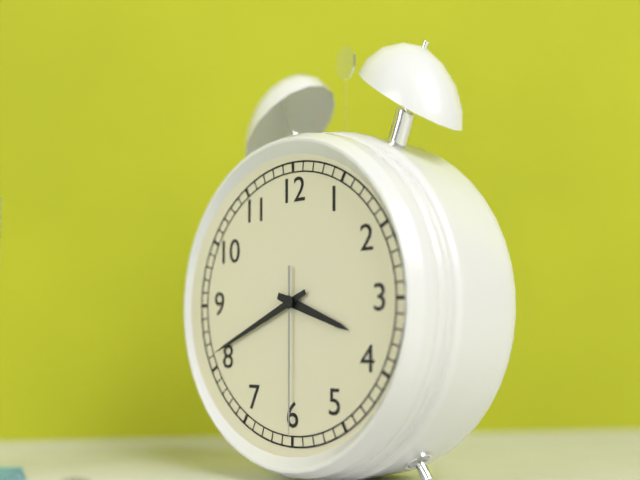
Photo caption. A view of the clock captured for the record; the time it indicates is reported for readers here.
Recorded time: 3:41:30
